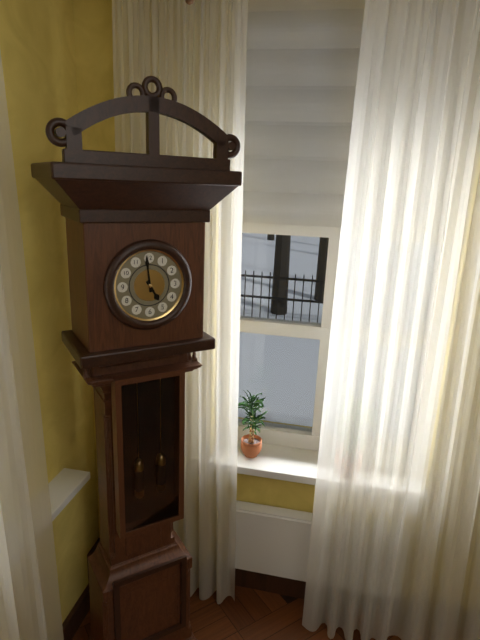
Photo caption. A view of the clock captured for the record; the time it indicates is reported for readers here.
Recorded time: 4:59
